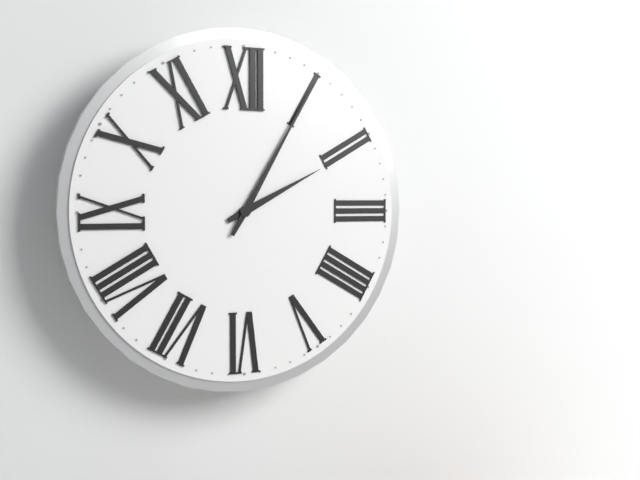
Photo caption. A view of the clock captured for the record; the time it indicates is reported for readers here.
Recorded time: 2:05
